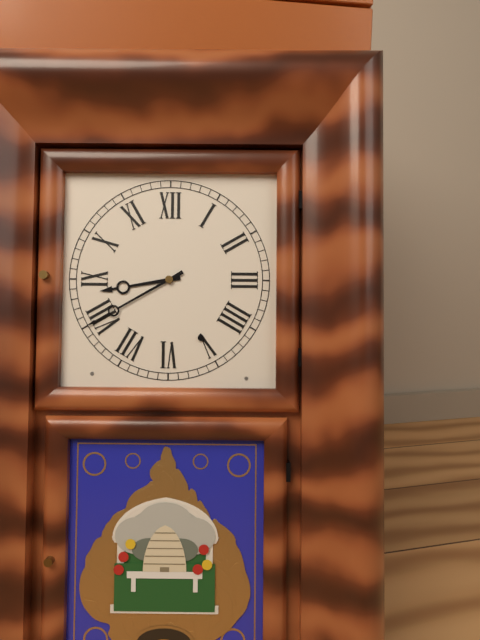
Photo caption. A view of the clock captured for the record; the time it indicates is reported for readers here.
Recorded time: 8:40
